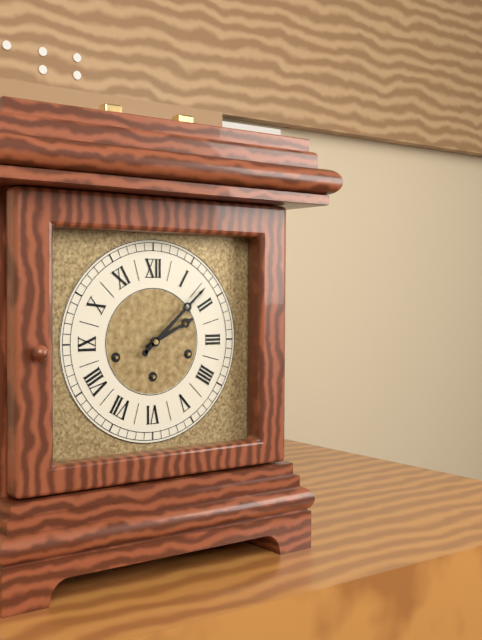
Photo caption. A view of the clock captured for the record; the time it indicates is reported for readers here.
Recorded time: 2:08
